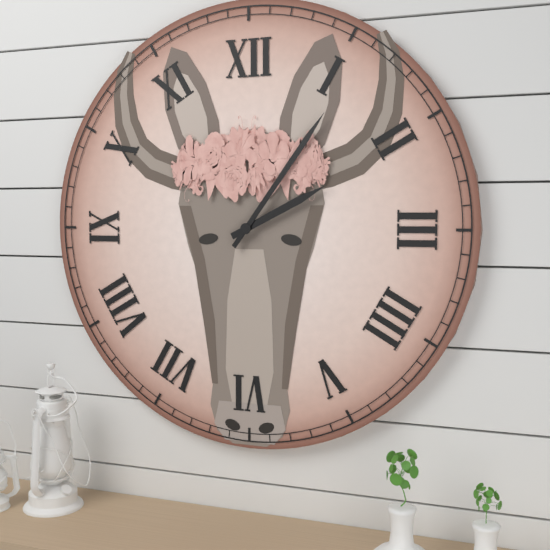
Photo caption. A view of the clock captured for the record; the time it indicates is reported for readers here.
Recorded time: 2:06
